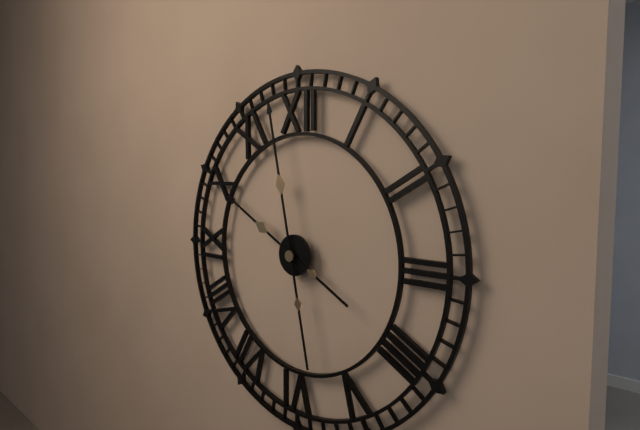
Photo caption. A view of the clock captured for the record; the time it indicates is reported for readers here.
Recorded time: 9:58
